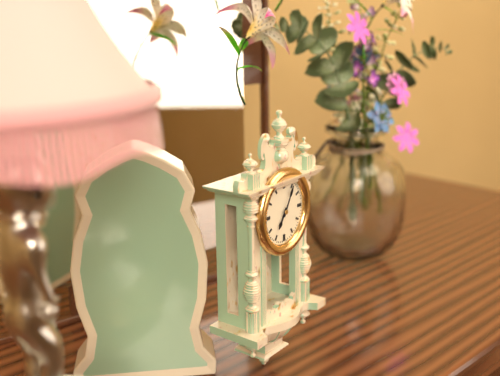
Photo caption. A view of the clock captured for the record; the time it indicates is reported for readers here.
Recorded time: 7:05
